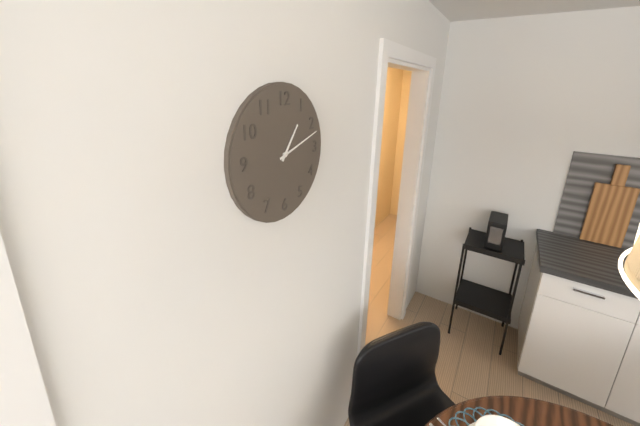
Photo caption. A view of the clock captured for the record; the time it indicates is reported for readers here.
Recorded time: 1:12
